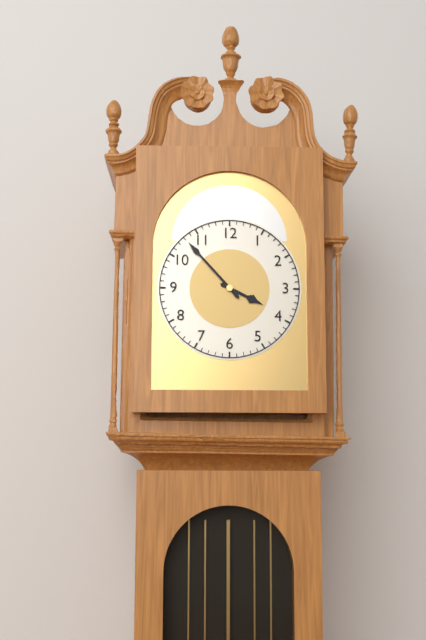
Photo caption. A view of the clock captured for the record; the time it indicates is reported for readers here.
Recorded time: 3:53
